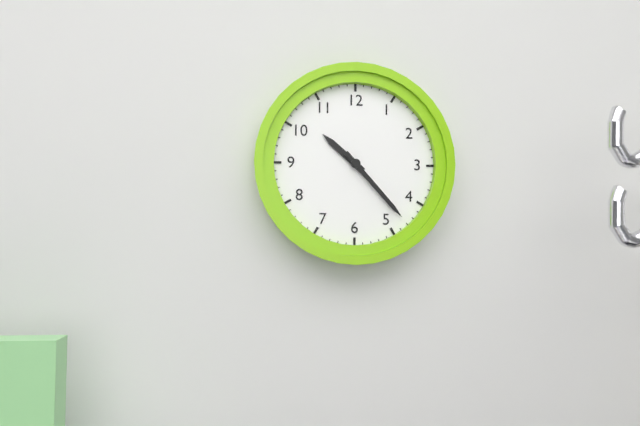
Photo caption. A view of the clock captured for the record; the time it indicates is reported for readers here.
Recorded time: 10:23
